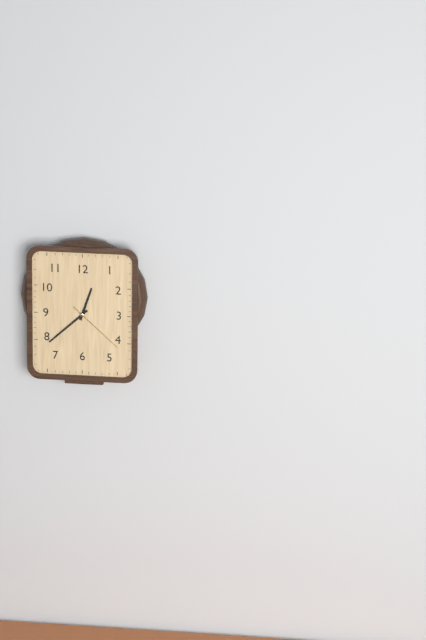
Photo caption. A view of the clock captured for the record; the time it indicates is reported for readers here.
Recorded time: 12:38:22
